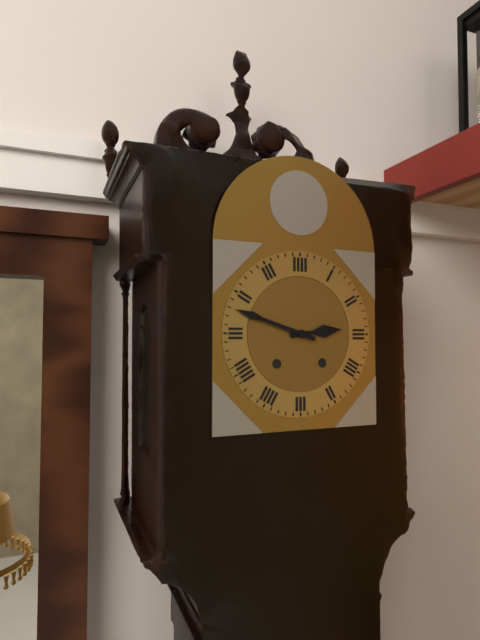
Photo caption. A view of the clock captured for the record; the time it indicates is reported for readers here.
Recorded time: 2:48
